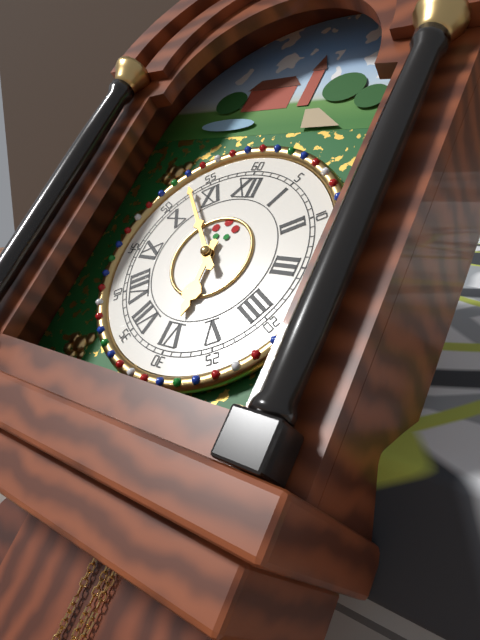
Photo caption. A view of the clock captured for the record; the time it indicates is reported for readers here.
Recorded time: 5:53
